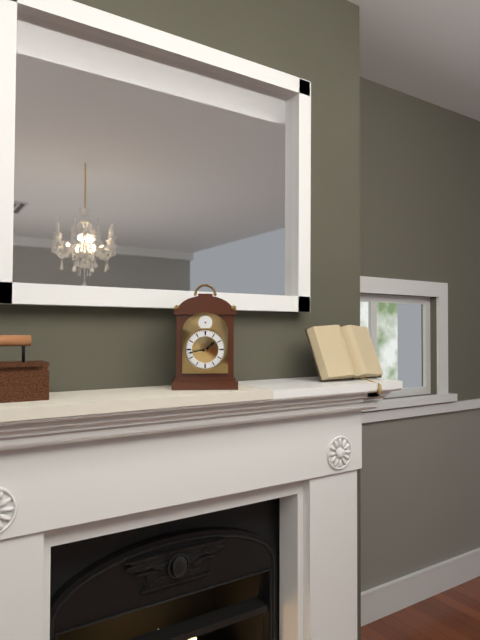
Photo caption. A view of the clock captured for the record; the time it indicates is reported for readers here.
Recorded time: 1:43
